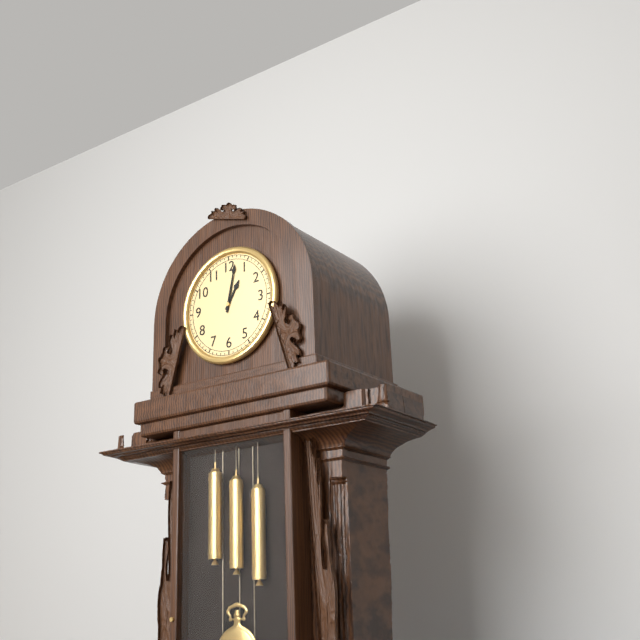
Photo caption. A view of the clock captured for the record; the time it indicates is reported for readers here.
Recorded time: 1:02
